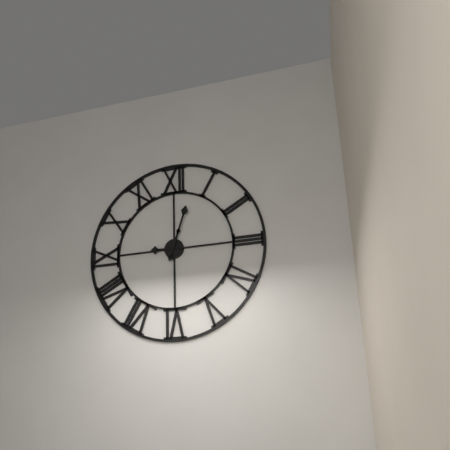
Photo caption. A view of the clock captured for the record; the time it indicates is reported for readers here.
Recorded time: 9:03
